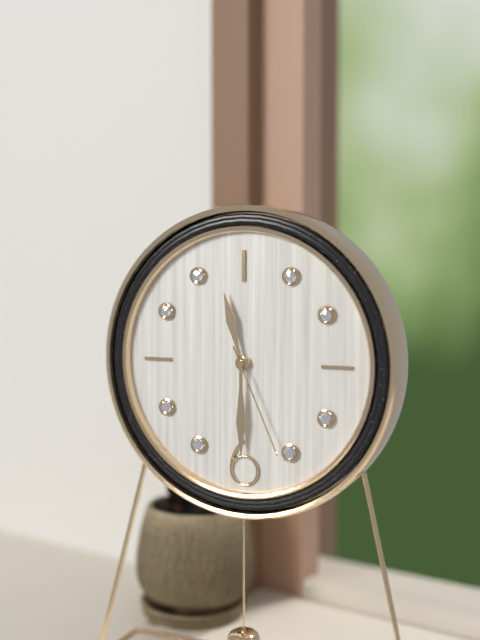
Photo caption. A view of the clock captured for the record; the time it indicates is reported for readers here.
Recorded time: 11:30:26
